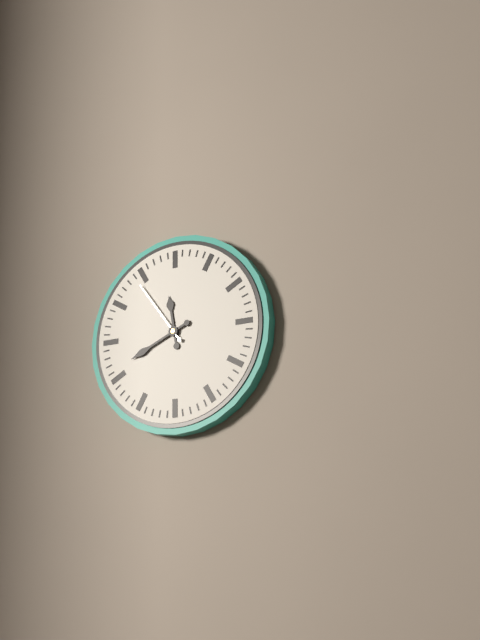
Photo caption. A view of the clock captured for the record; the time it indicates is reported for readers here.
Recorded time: 11:41:54
